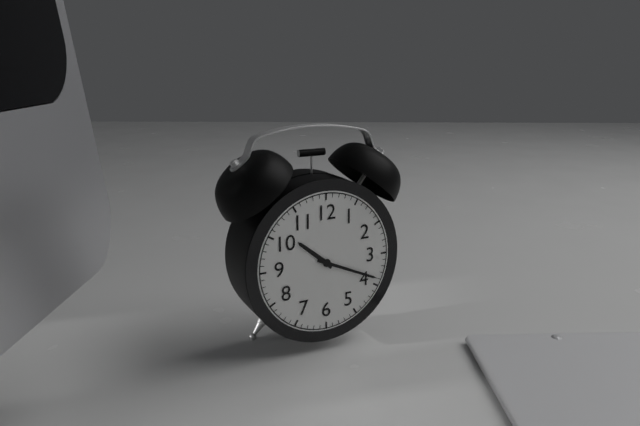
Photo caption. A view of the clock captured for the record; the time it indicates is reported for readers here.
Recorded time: 10:19
